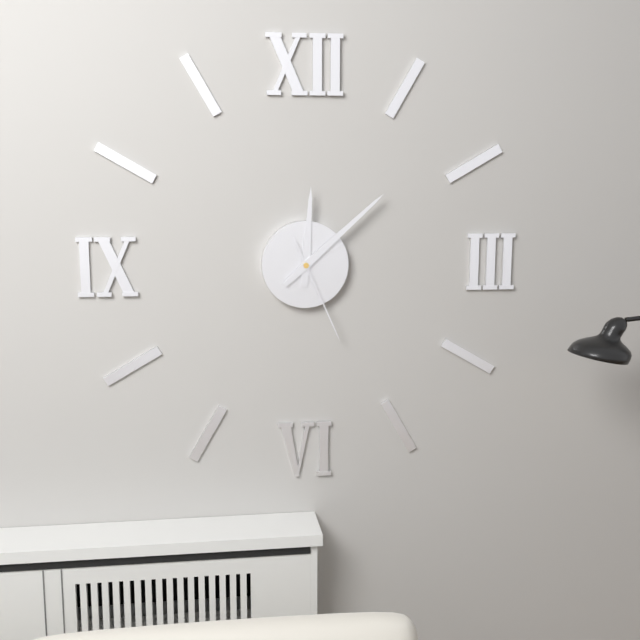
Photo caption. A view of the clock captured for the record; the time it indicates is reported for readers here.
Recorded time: 12:08:26
